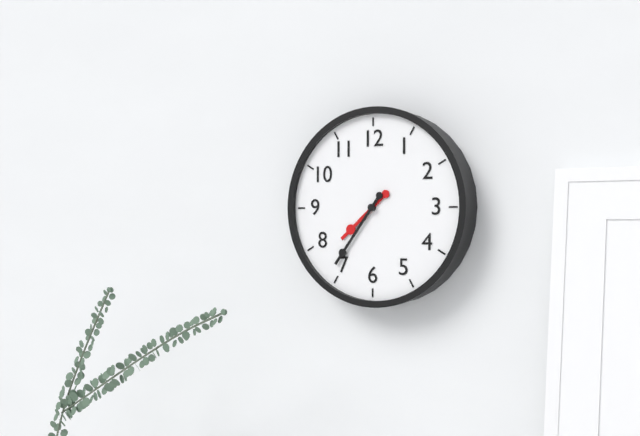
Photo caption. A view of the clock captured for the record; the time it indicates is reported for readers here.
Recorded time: 7:36
